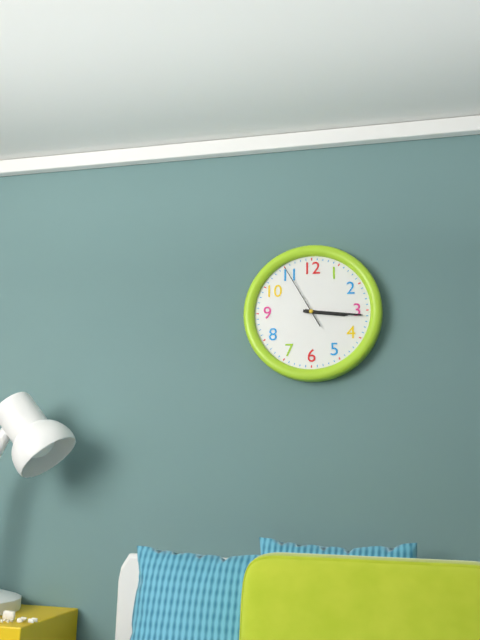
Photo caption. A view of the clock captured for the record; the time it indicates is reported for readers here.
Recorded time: 3:16:55
